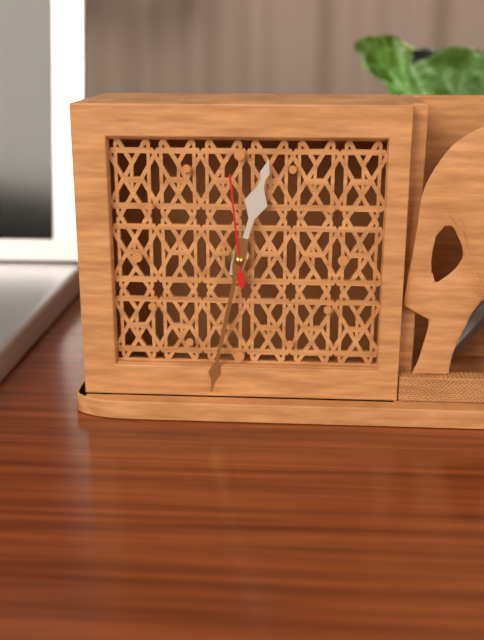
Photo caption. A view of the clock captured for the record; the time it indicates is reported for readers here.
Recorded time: 12:32:59
